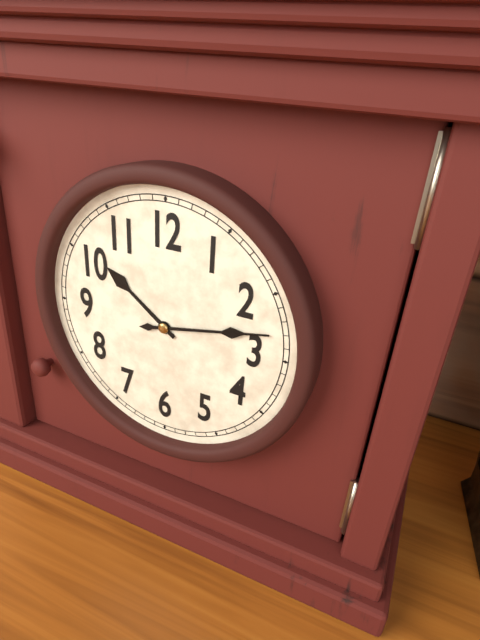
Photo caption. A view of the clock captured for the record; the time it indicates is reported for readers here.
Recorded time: 10:13
